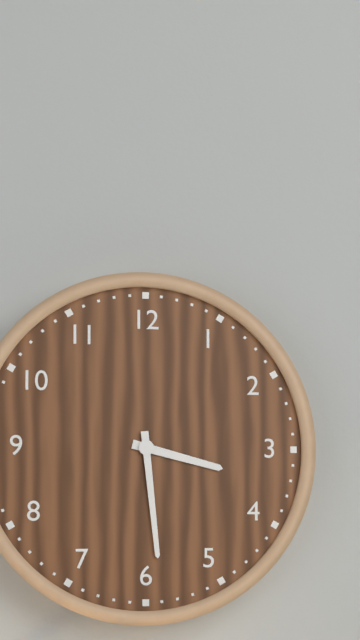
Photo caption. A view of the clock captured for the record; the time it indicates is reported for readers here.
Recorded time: 3:29
